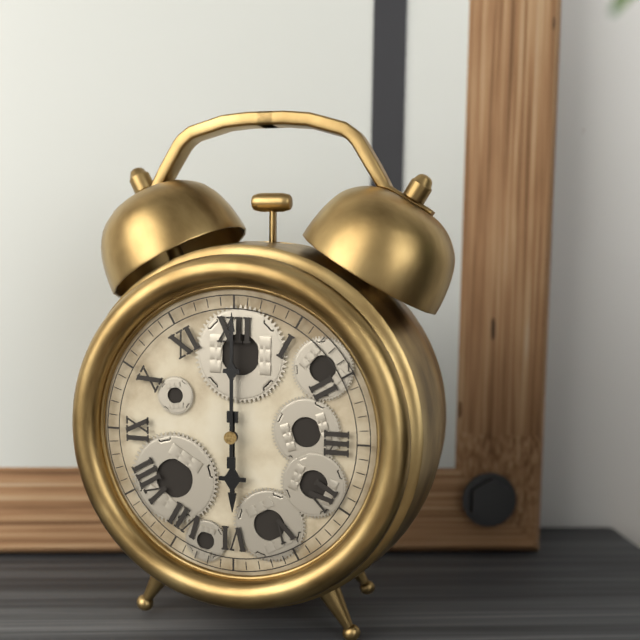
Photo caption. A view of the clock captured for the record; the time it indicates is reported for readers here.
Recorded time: 6:00
